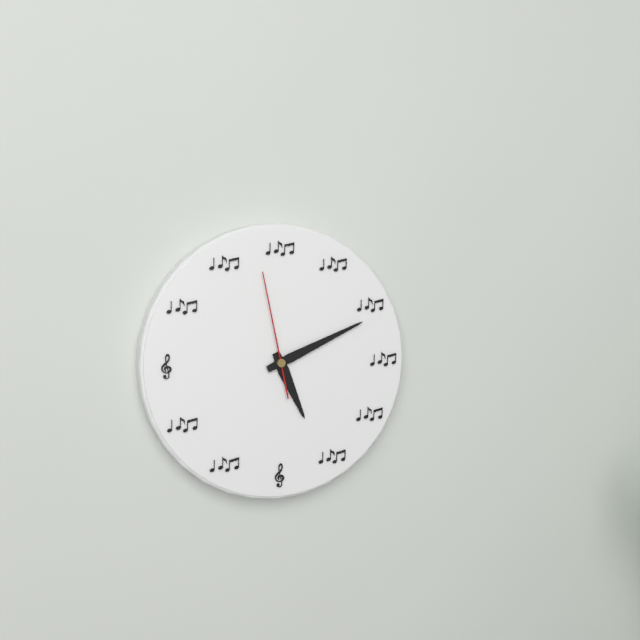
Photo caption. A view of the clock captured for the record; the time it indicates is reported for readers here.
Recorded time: 5:11:58
